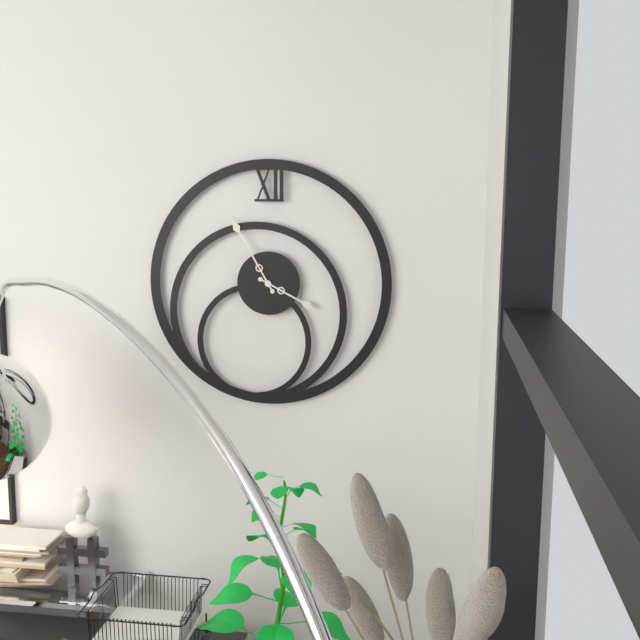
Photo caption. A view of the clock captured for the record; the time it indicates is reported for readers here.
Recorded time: 3:55
